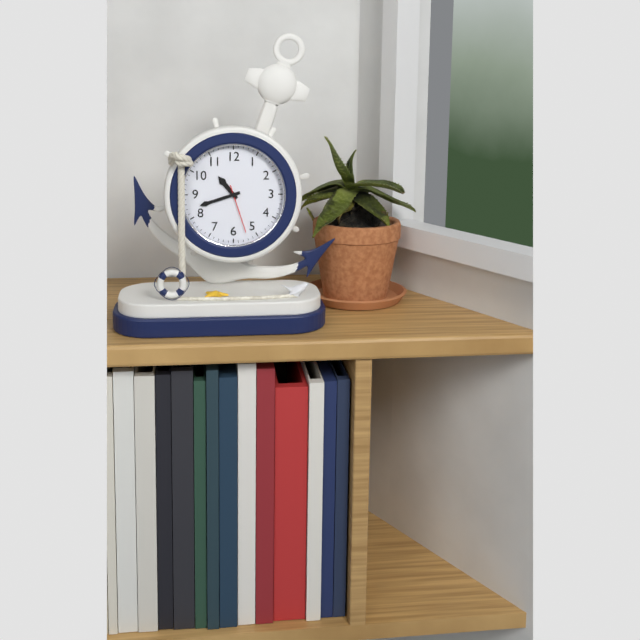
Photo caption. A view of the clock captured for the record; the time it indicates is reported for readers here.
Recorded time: 10:42
